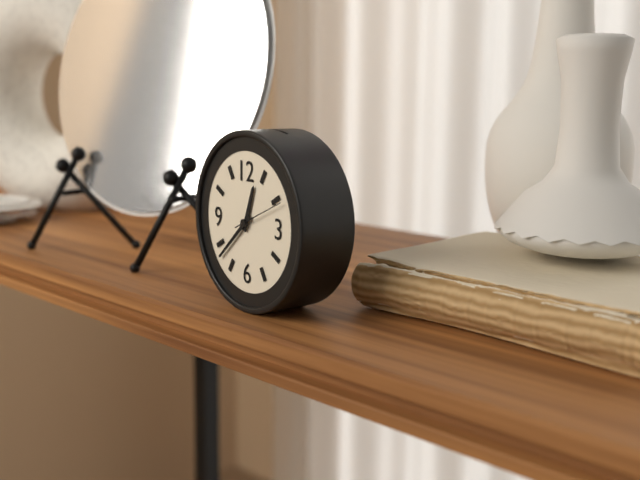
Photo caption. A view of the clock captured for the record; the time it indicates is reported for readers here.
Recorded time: 12:38:11
